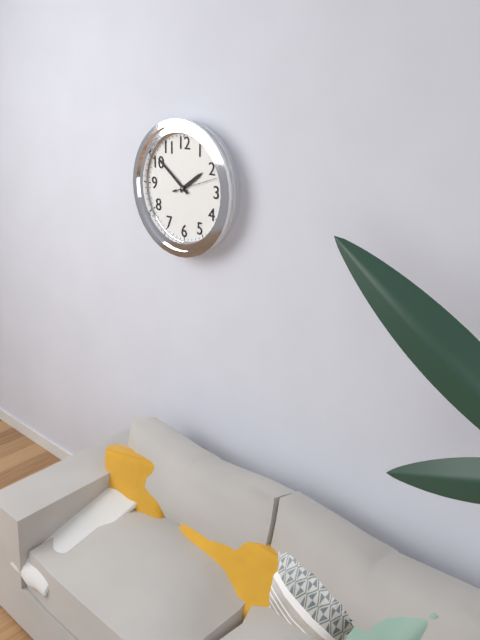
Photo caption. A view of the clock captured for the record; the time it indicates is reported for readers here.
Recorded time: 1:51
